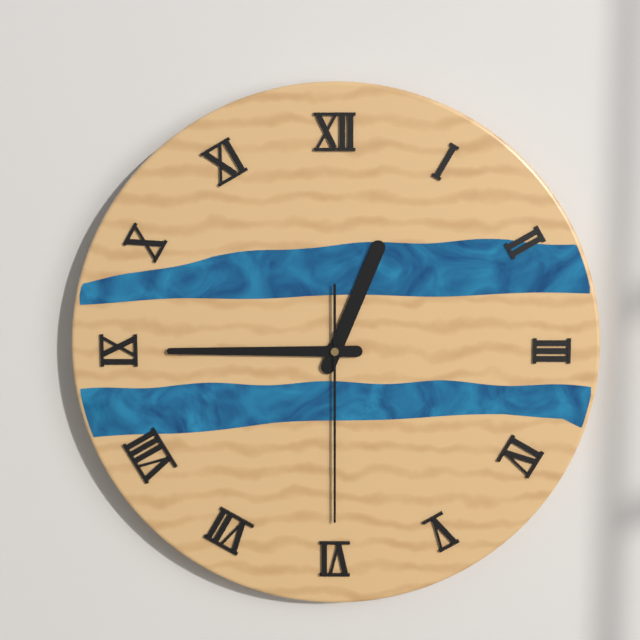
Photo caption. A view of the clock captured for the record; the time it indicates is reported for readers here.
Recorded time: 12:45:30
